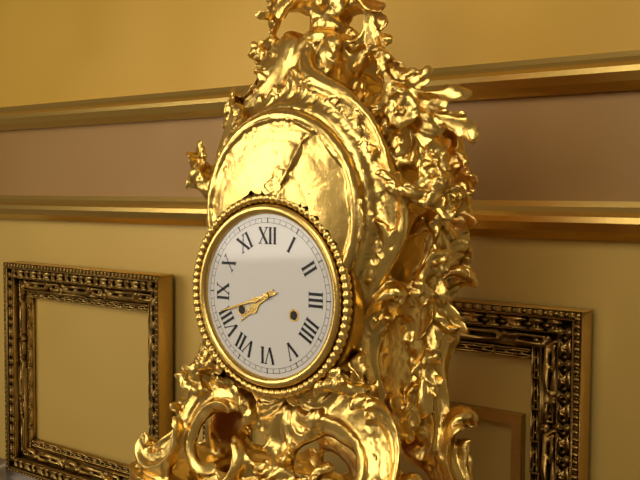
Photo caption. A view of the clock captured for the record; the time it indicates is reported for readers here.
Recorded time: 7:42
